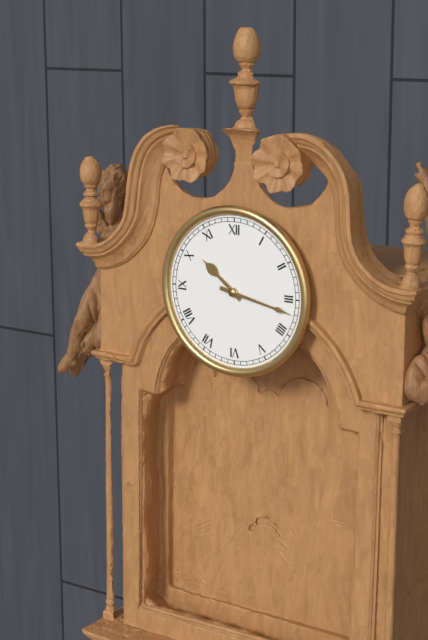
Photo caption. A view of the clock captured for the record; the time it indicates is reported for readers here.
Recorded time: 10:17
